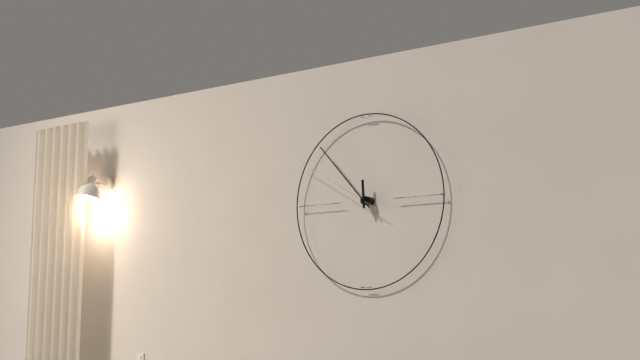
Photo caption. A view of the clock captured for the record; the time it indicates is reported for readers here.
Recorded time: 11:53:50
